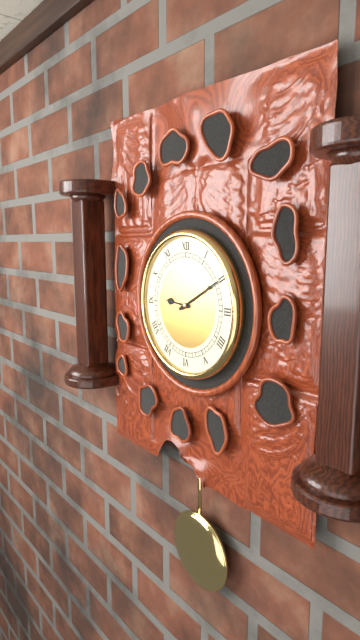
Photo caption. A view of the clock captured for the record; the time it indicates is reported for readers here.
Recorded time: 9:10
